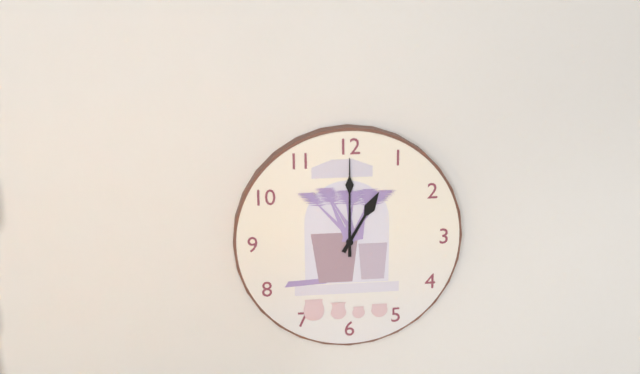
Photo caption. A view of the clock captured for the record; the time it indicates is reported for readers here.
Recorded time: 1:00
